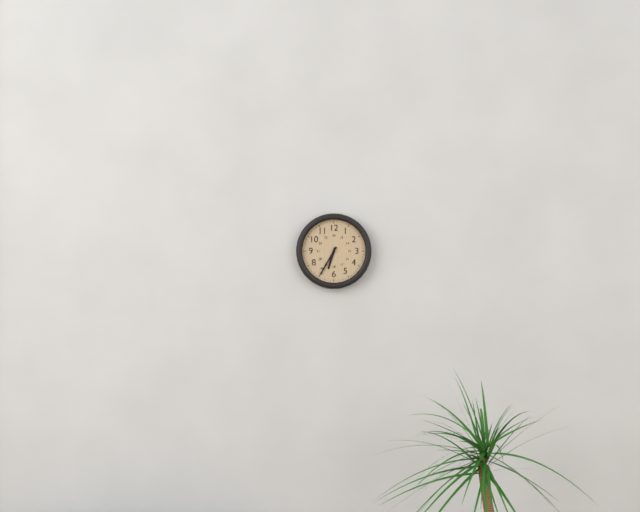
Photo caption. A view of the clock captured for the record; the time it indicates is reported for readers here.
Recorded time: 6:35
